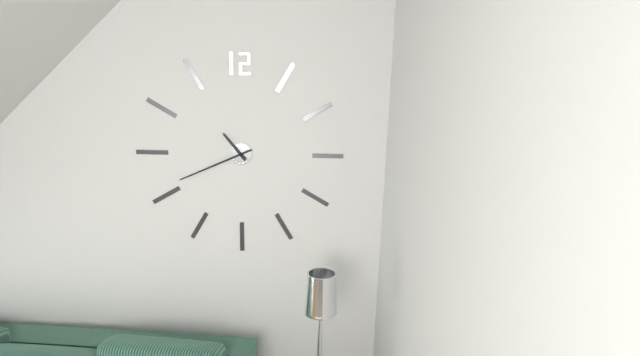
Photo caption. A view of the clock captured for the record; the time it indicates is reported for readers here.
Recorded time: 10:41
